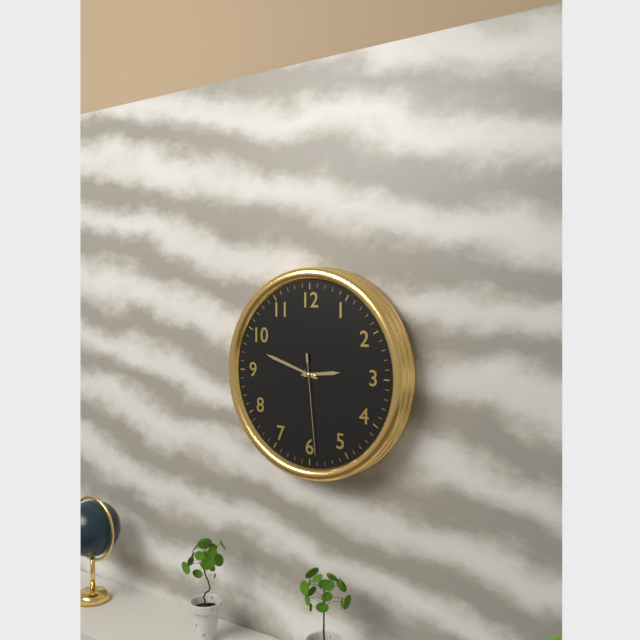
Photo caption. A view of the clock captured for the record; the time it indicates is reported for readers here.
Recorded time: 2:48:29
